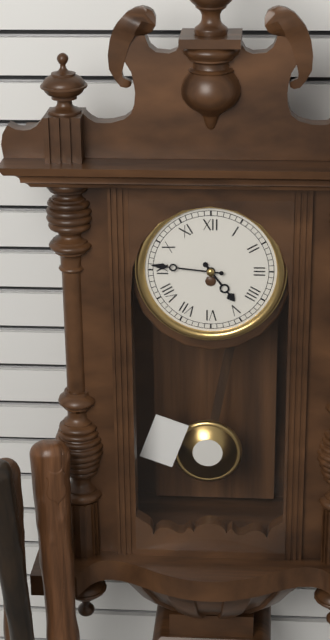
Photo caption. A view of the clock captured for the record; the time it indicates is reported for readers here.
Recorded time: 4:46
